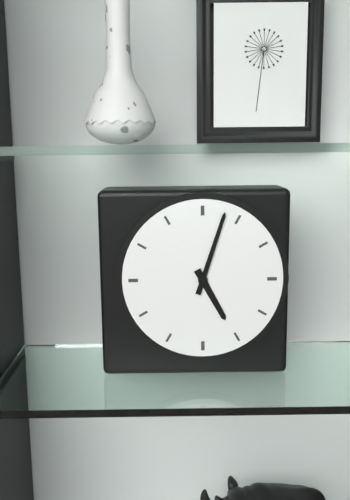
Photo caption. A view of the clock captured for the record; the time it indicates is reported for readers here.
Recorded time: 5:03
